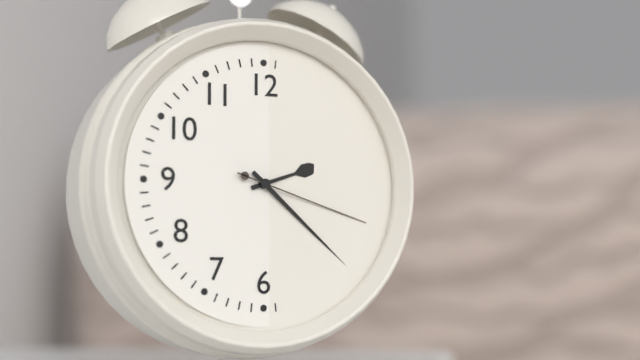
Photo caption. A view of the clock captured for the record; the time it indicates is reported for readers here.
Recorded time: 2:22:18
